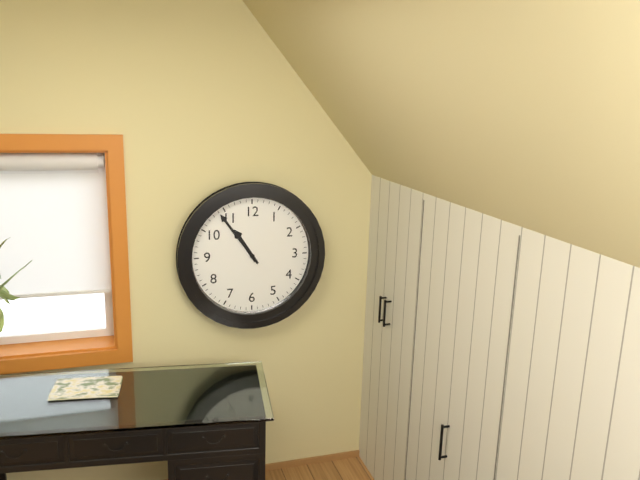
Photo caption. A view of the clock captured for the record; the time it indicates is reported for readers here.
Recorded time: 10:54
